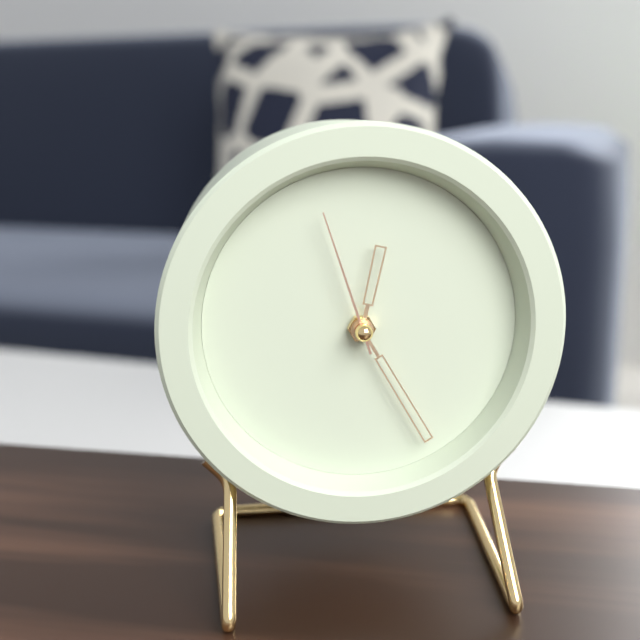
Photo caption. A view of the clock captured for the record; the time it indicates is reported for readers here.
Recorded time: 12:25:57
